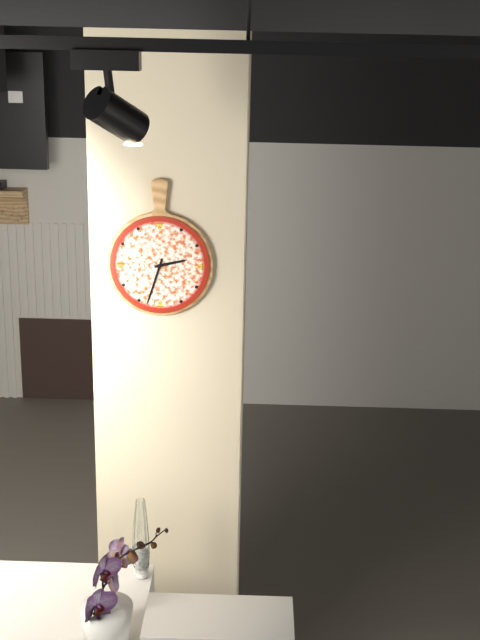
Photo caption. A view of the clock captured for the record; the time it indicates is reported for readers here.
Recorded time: 2:33
